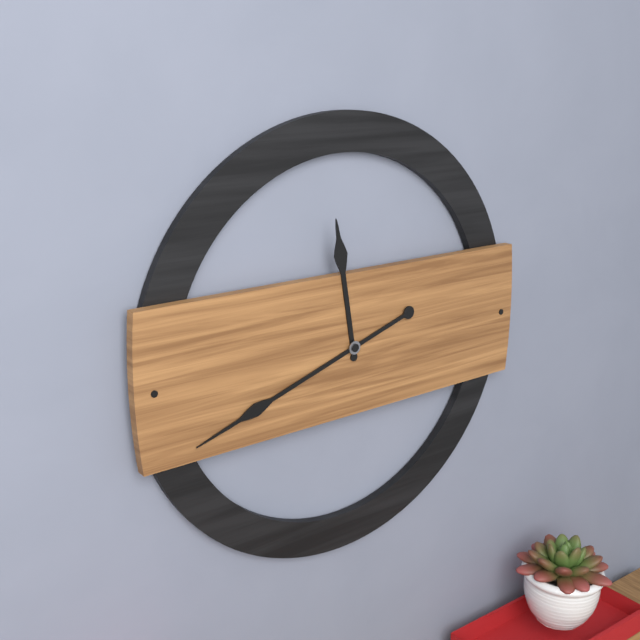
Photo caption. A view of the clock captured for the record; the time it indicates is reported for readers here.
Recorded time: 11:42
